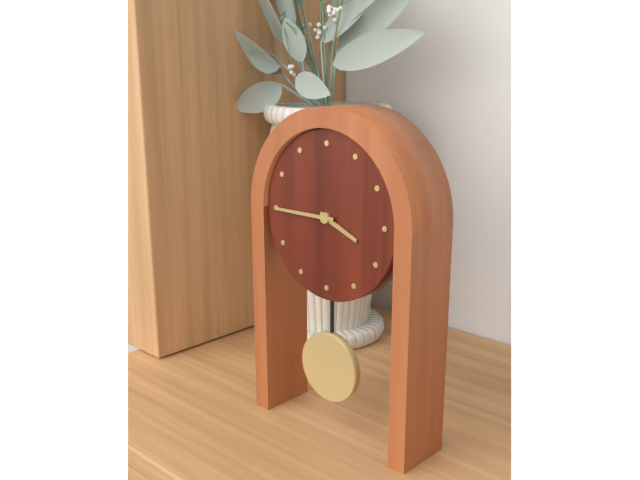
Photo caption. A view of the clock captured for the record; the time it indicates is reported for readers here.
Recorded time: 3:45
